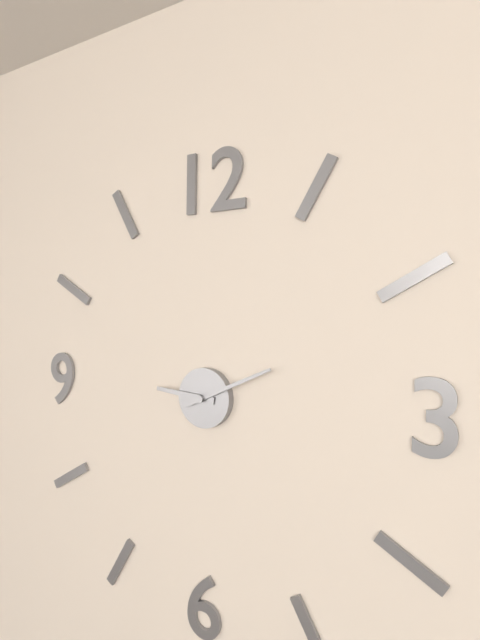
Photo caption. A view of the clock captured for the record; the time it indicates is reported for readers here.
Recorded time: 9:11
